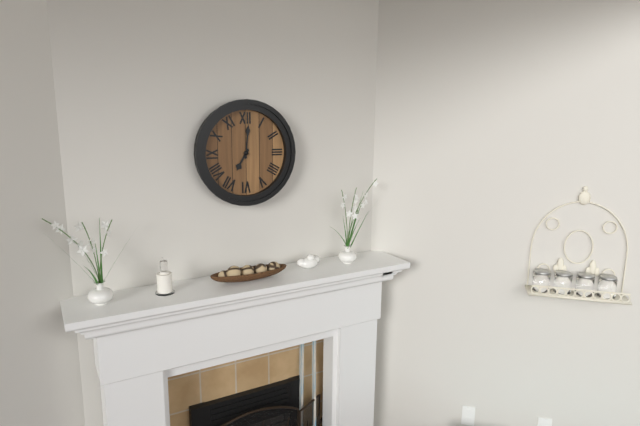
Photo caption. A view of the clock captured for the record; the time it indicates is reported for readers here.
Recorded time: 7:01
